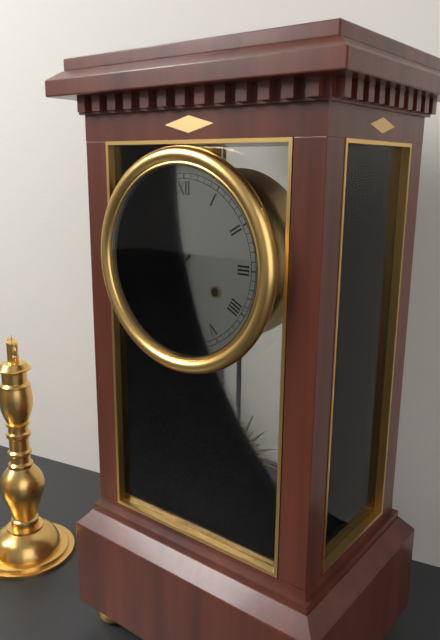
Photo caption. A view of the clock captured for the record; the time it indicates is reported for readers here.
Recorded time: 5:38
